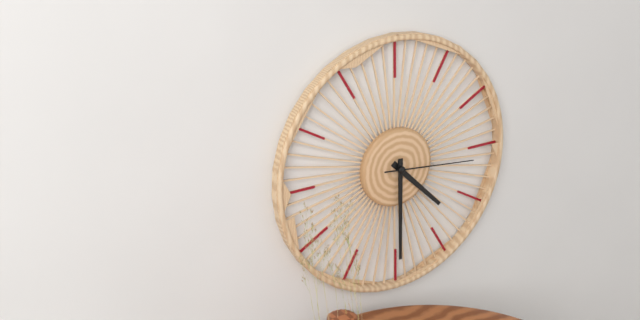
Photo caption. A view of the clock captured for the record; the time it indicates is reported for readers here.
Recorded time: 4:30:16
